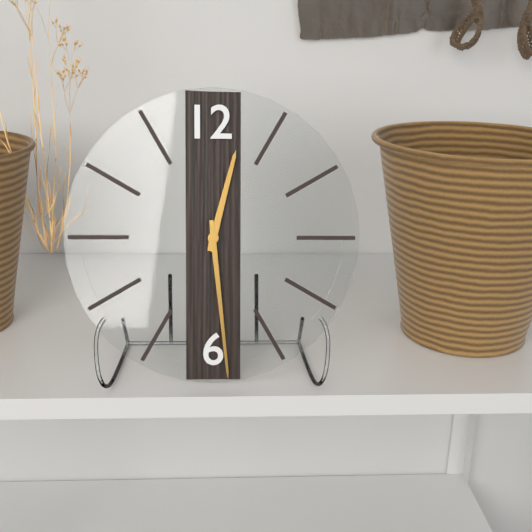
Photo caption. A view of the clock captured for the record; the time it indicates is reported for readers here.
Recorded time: 12:29
